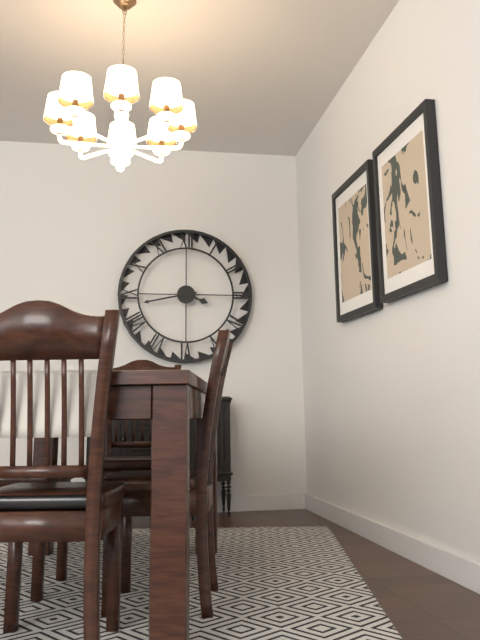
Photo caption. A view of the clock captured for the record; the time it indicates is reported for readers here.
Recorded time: 3:43
